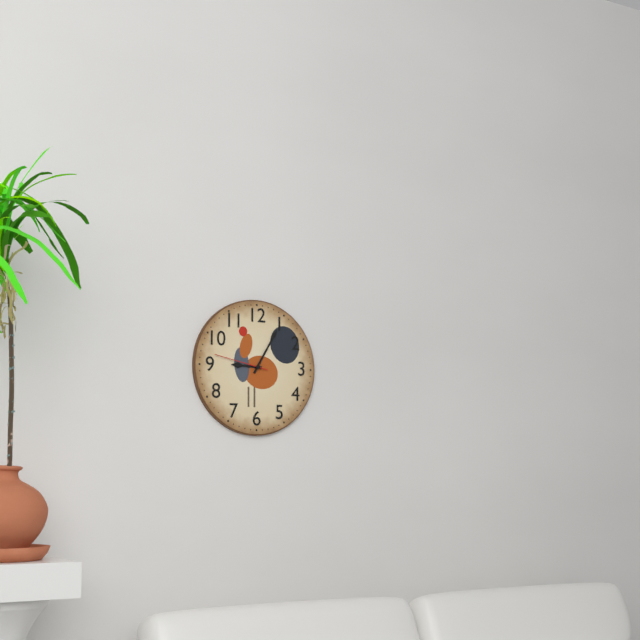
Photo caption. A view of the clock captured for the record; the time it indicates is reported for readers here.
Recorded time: 9:05:47
